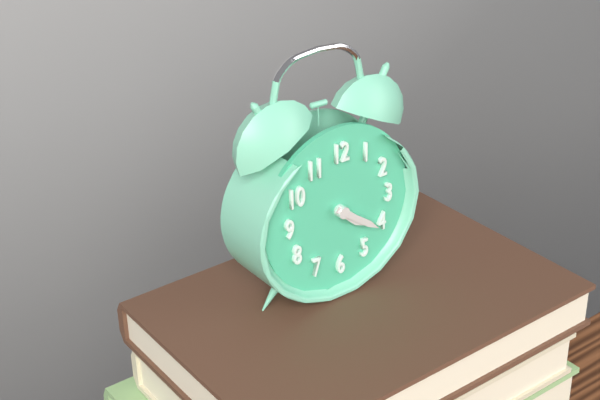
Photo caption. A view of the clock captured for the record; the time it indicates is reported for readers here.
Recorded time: 4:21
